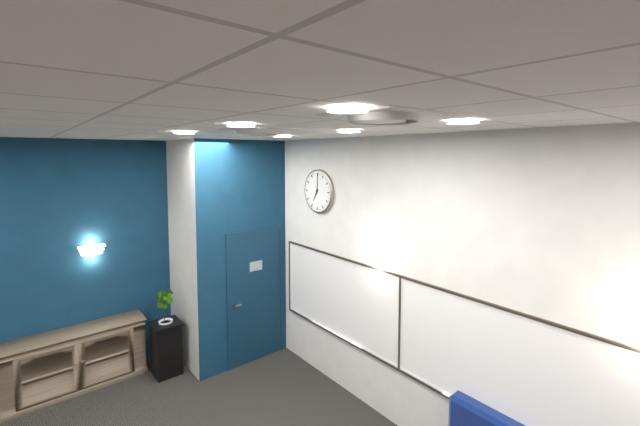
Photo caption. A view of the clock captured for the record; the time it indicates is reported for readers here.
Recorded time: 7:01
